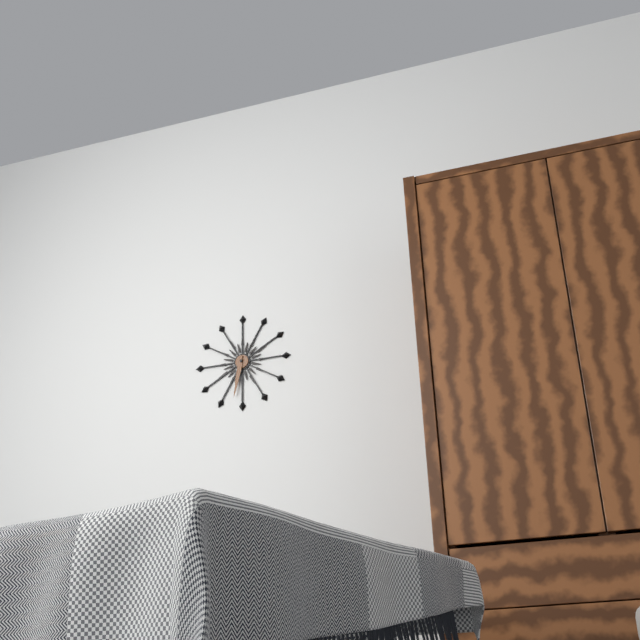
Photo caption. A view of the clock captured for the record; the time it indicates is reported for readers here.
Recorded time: 6:32
